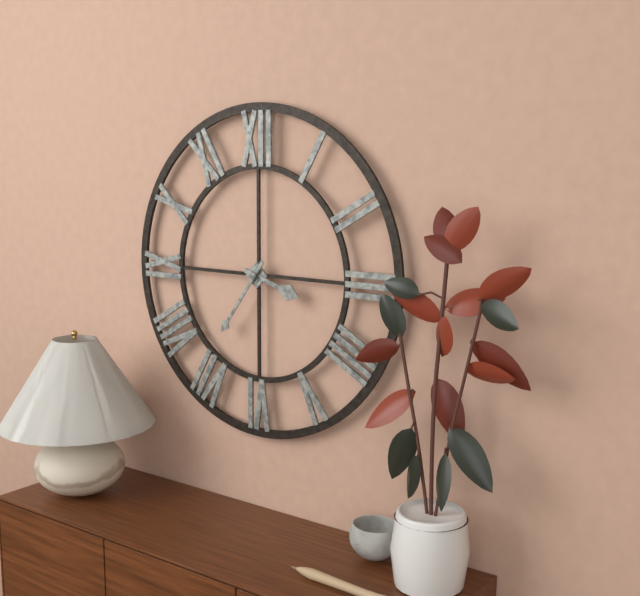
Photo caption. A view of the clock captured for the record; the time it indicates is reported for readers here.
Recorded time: 3:36
